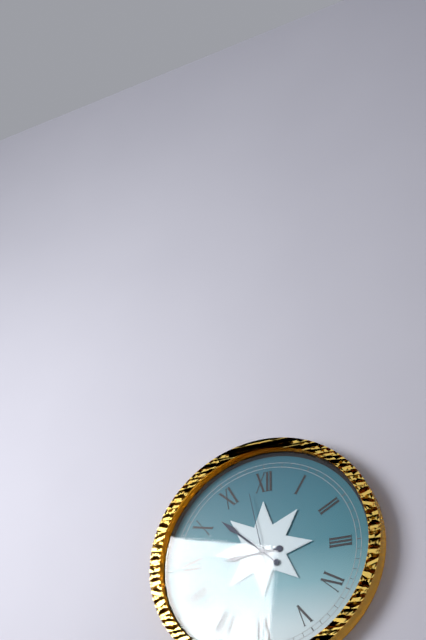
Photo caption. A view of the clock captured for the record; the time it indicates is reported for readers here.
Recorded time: 8:52:58
